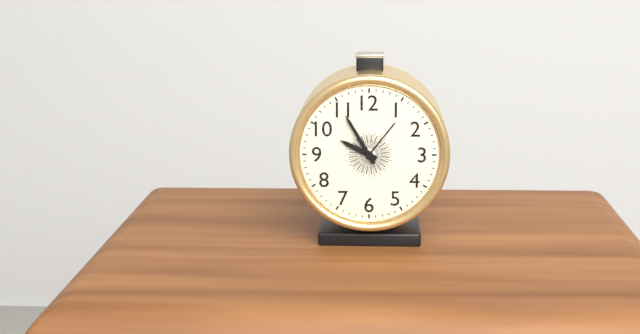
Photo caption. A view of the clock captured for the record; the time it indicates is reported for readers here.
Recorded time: 9:55
